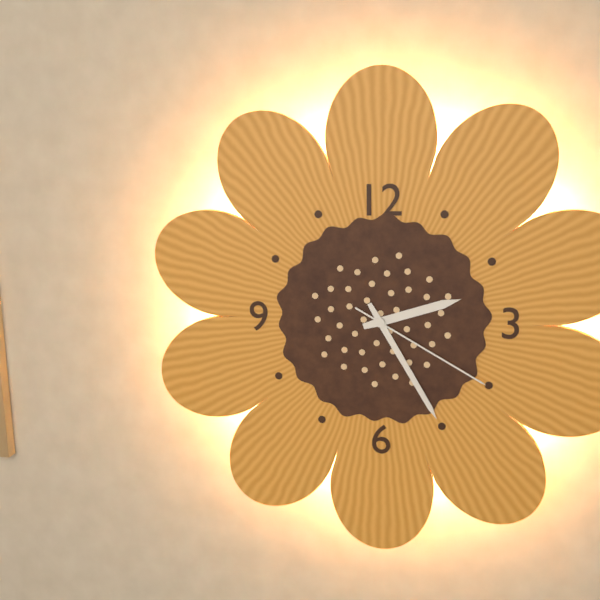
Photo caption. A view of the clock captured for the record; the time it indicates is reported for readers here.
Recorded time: 2:25:20
